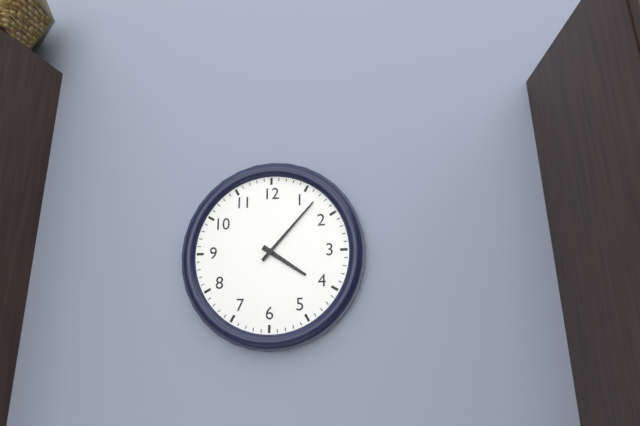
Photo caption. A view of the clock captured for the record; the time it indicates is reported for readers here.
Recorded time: 4:07
